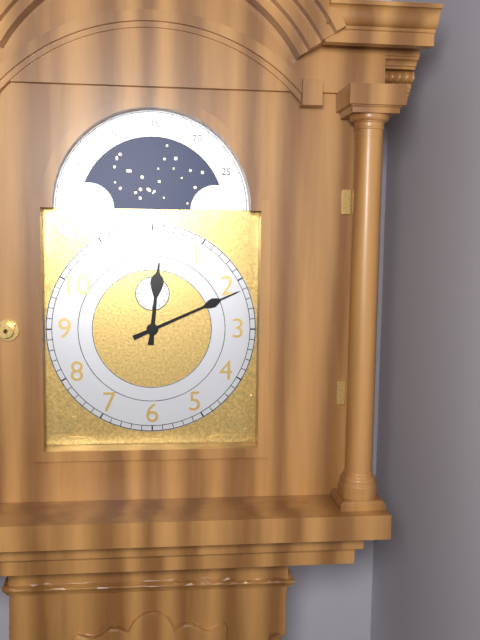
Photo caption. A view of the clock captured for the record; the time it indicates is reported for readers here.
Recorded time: 12:11
